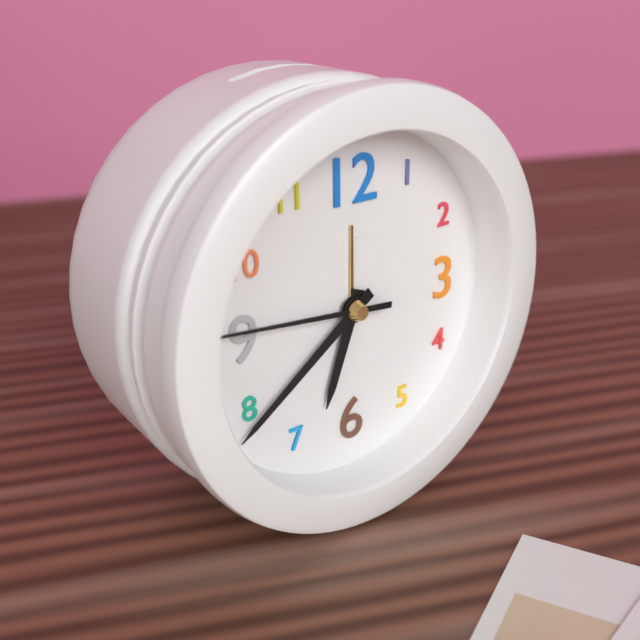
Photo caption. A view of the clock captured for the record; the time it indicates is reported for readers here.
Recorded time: 6:39:46
